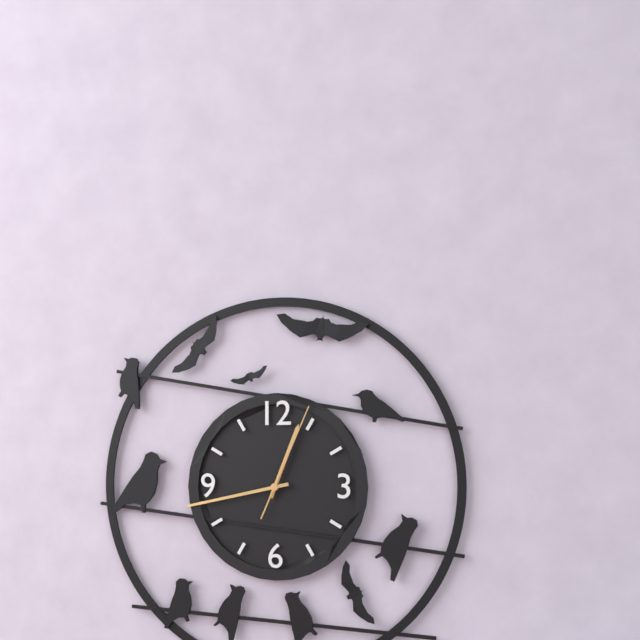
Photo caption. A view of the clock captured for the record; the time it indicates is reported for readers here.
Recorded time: 12:43:04
